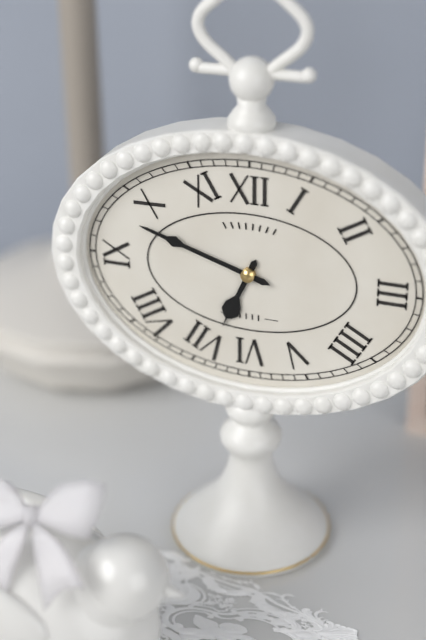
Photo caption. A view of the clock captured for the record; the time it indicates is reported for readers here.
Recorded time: 6:48
